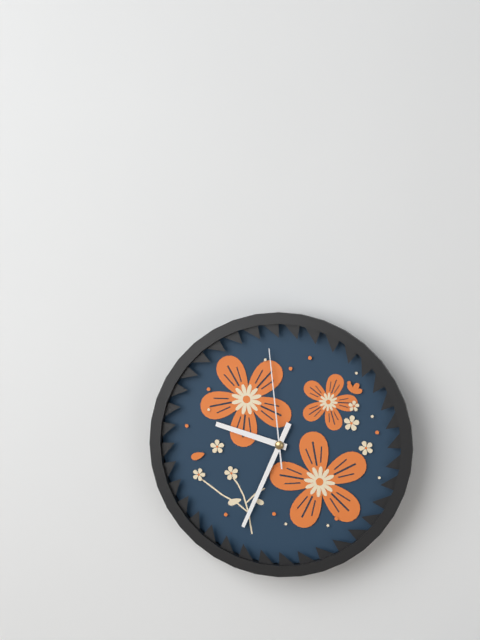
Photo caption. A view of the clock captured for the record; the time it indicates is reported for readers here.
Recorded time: 9:34:59
